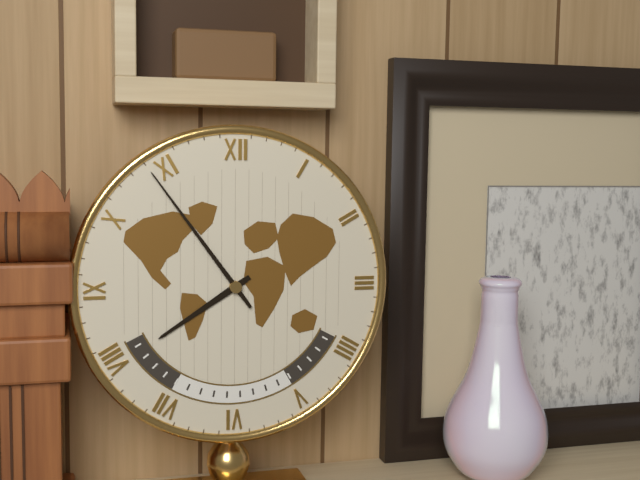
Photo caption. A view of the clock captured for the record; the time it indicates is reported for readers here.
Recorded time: 7:54
